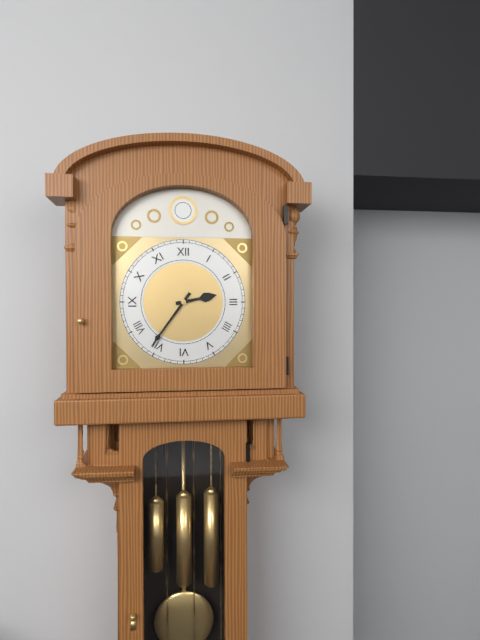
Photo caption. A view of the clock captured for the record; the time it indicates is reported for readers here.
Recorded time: 2:36
